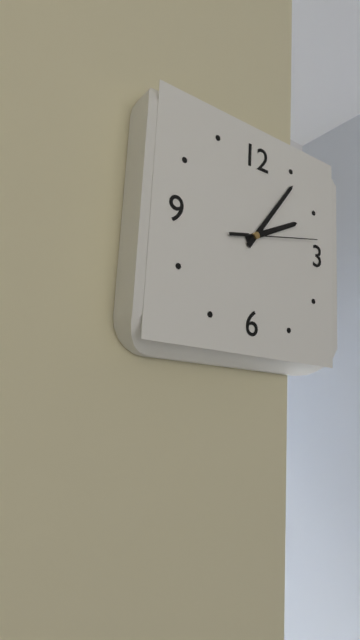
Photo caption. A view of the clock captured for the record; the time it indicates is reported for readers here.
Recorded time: 2:06:13
